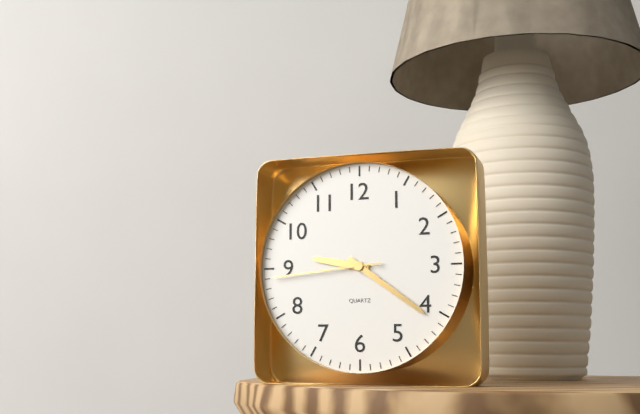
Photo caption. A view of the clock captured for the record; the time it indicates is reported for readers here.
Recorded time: 9:21:44
